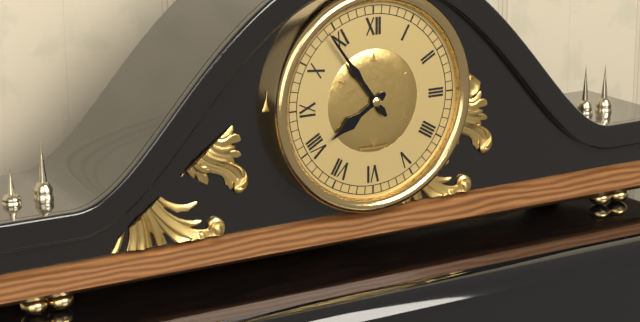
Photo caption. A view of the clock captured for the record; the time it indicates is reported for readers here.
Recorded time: 7:54
